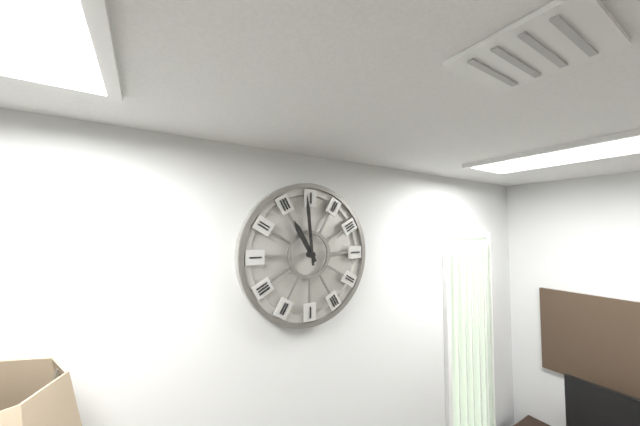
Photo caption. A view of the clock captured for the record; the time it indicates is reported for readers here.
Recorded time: 10:59
